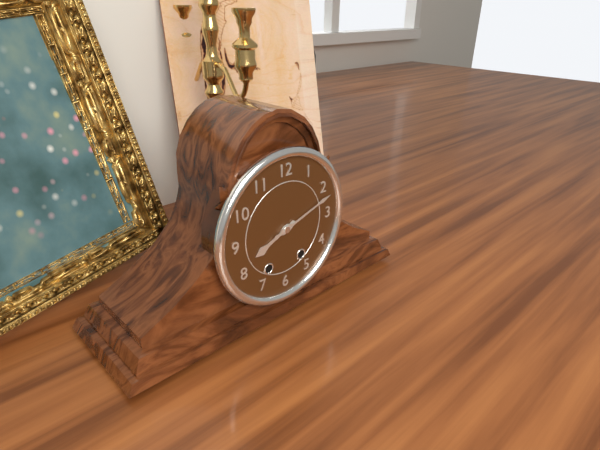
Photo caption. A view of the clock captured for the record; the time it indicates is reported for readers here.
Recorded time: 8:12
